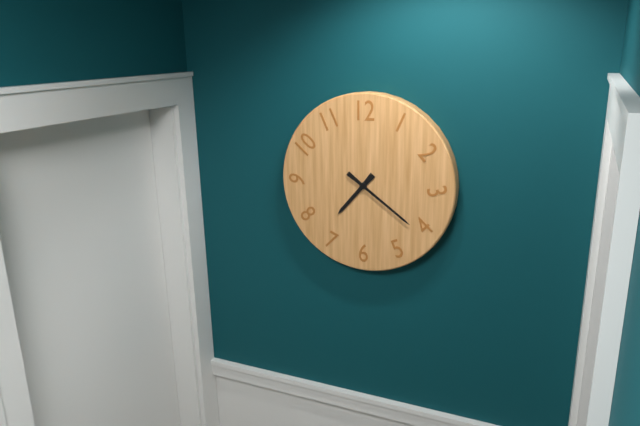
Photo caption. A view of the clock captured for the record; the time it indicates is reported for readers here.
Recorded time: 7:21
